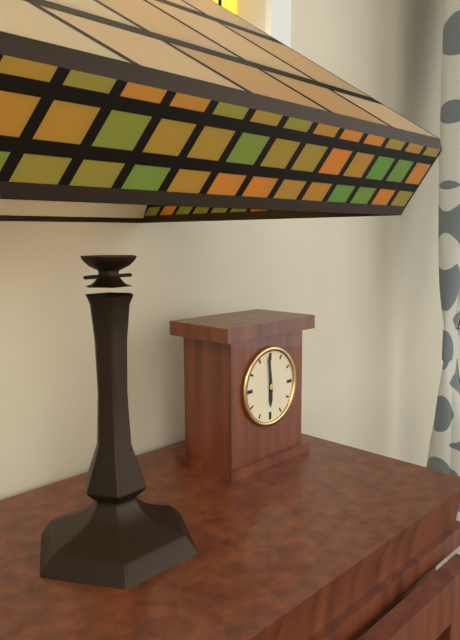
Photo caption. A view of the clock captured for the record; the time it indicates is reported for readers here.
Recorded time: 5:59
